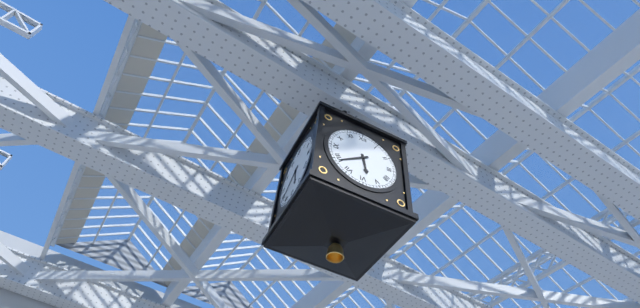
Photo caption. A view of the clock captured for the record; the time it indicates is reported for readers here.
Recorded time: 5:39
